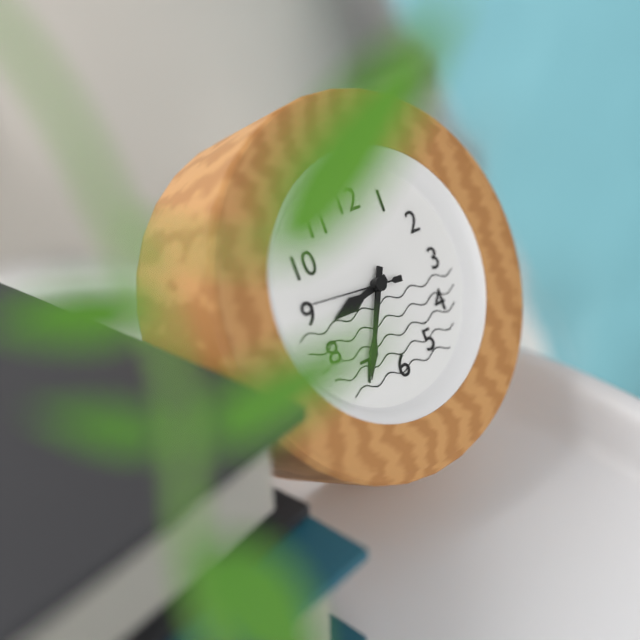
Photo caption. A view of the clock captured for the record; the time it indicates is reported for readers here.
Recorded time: 8:35:46
